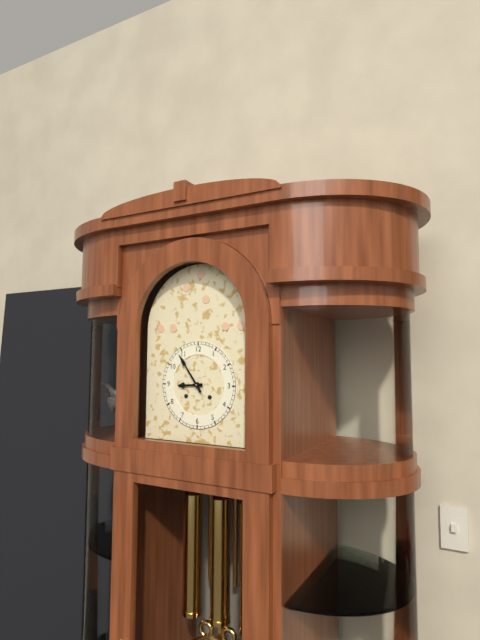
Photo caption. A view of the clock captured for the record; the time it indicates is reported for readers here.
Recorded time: 8:54
